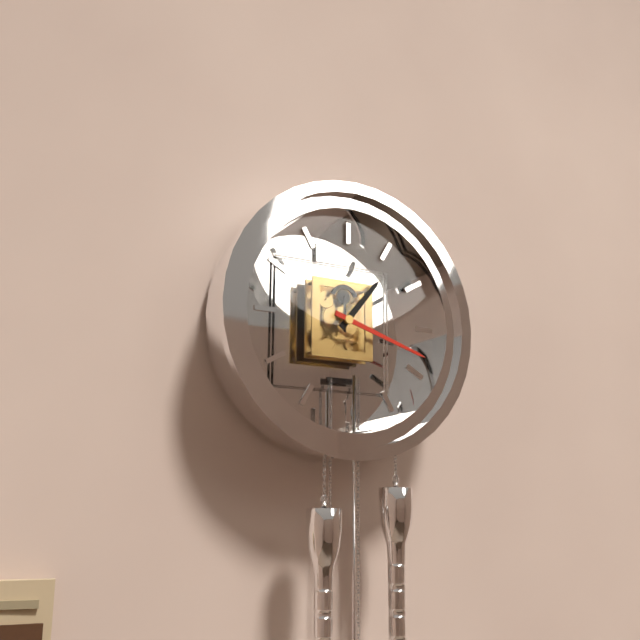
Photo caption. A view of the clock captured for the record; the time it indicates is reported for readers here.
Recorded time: 1:18
